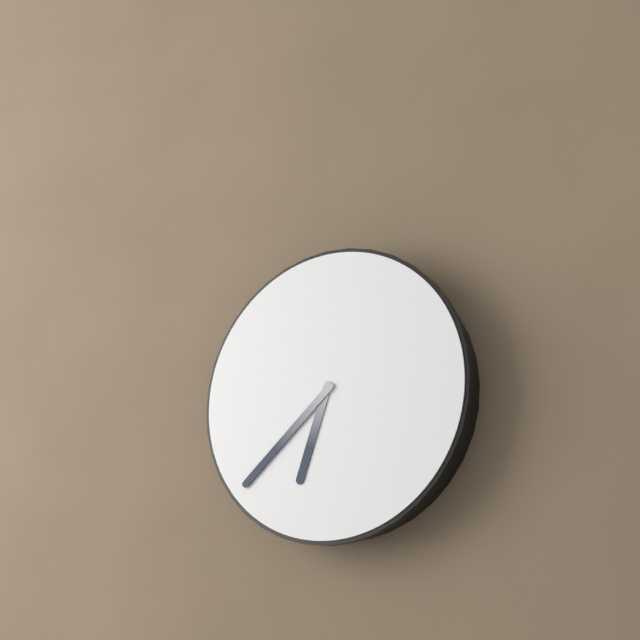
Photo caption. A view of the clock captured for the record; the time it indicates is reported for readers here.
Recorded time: 6:38
